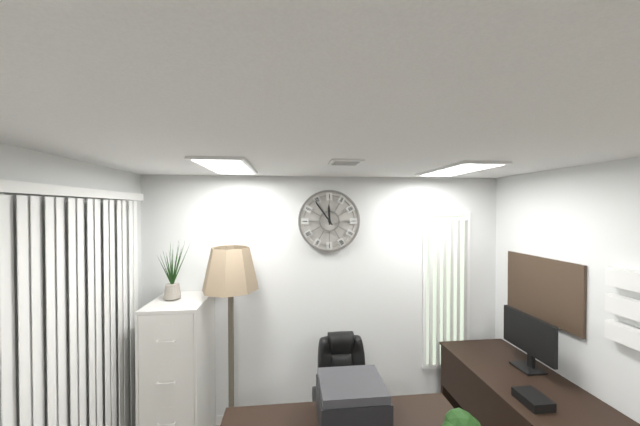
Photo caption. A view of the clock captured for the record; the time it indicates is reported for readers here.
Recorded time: 11:54
